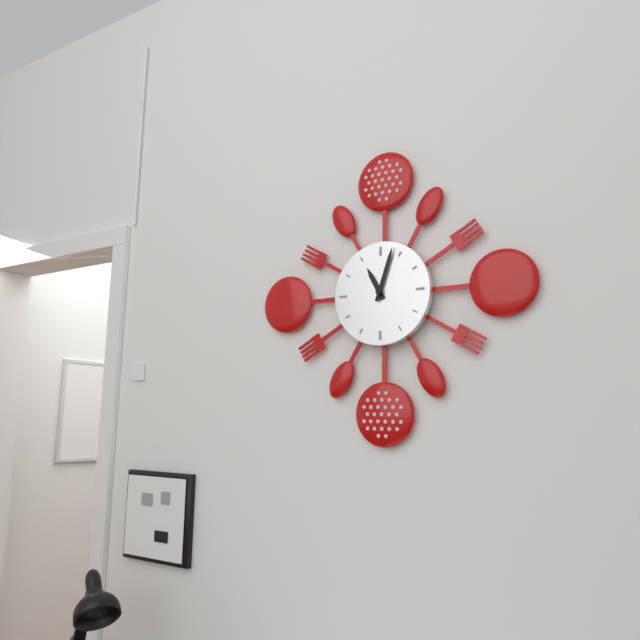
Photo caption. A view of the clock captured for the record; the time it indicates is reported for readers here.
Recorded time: 11:03
